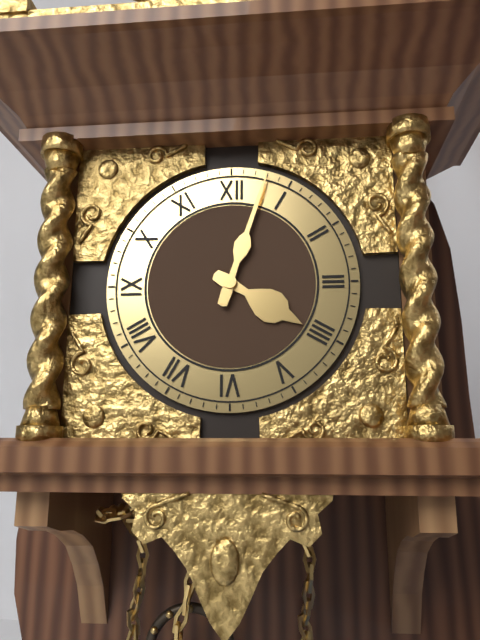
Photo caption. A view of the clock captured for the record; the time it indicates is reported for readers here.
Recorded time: 4:03
